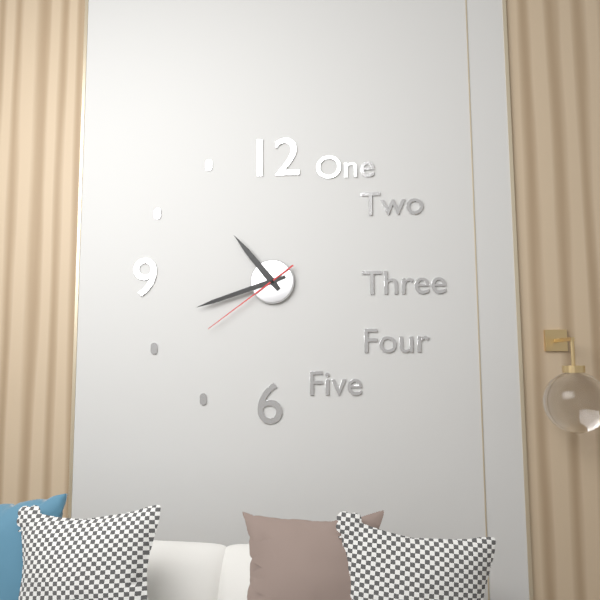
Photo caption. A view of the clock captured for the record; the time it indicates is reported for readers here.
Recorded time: 10:42:39
